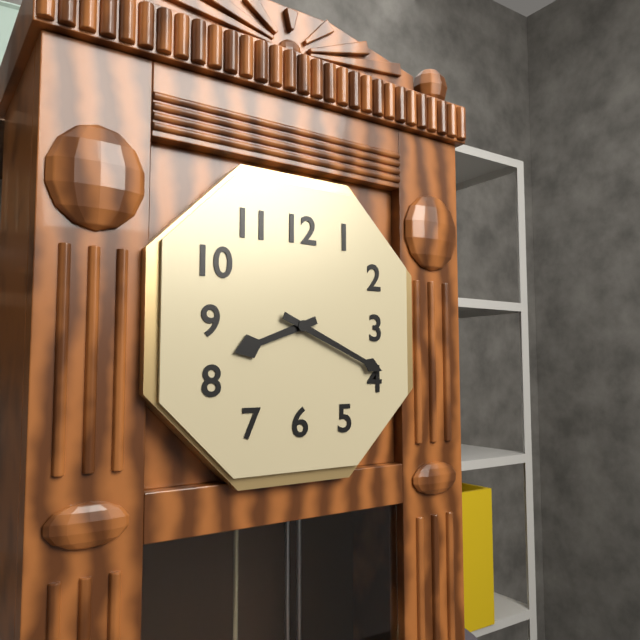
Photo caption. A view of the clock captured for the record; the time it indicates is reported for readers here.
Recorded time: 8:19
